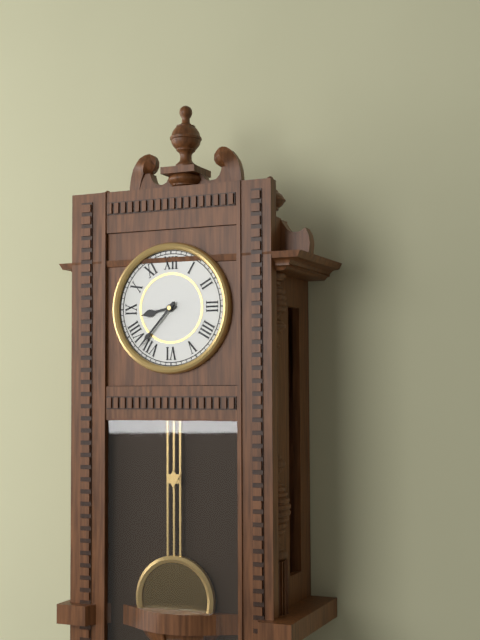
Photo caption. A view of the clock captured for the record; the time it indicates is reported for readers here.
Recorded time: 8:37
